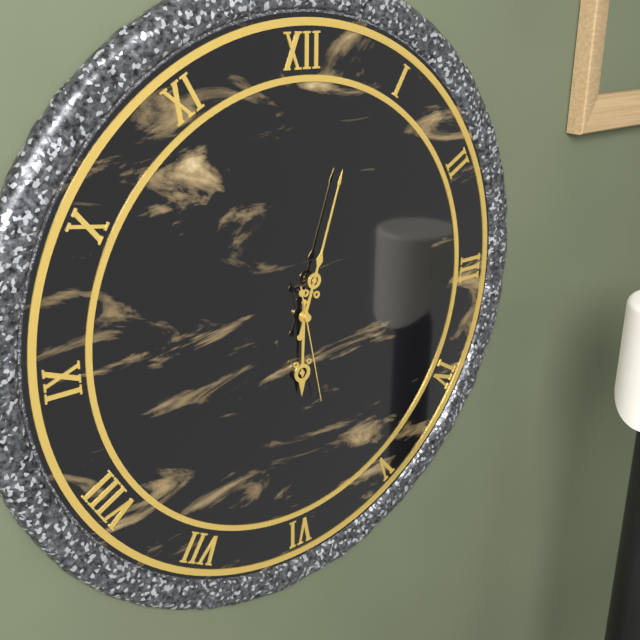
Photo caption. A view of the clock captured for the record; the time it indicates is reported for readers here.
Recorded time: 6:03:28
